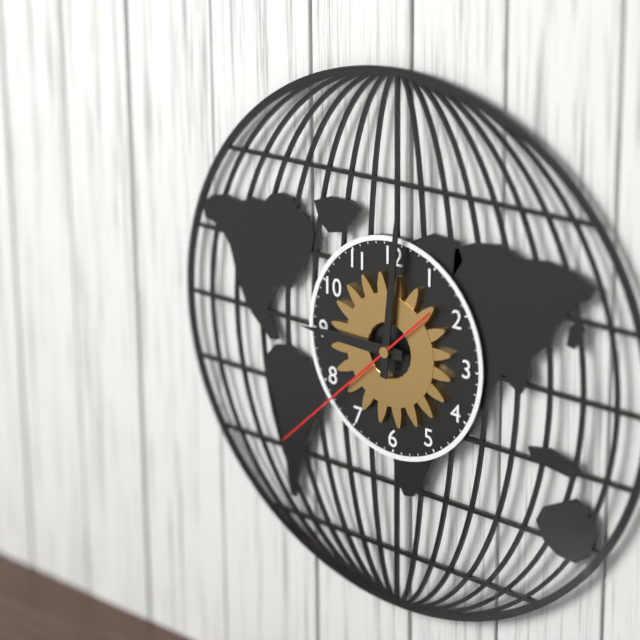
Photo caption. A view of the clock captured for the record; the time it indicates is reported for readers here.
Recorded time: 9:01:38
